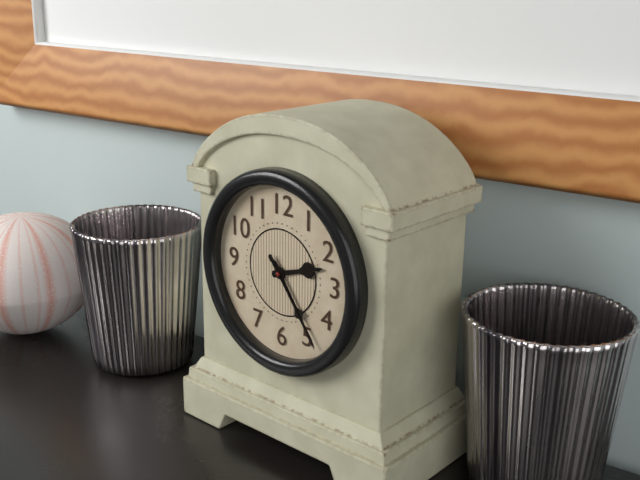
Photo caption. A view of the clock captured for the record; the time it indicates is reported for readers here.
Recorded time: 2:24:24
